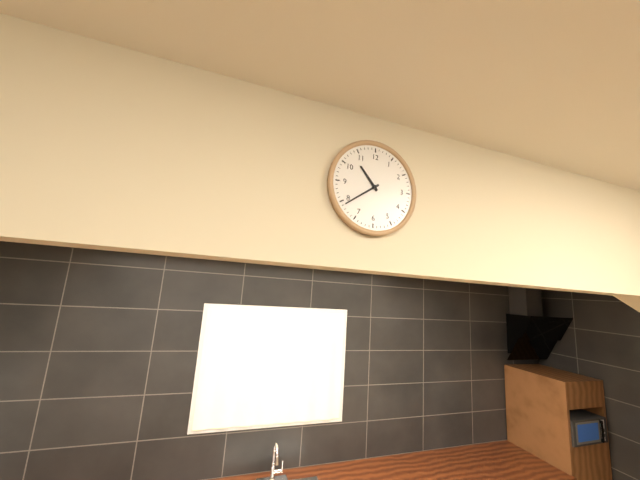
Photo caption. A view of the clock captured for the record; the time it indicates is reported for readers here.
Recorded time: 10:39
